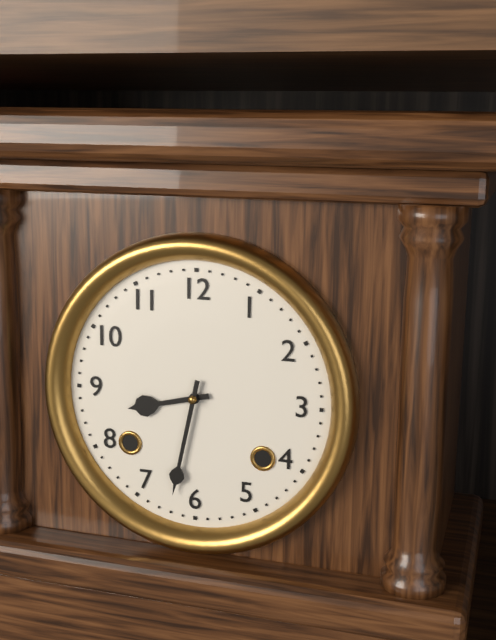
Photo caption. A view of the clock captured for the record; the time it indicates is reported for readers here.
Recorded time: 8:32
